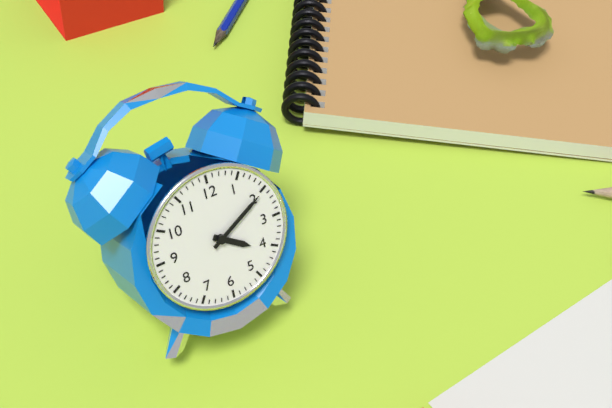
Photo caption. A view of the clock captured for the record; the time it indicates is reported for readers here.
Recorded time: 4:10
